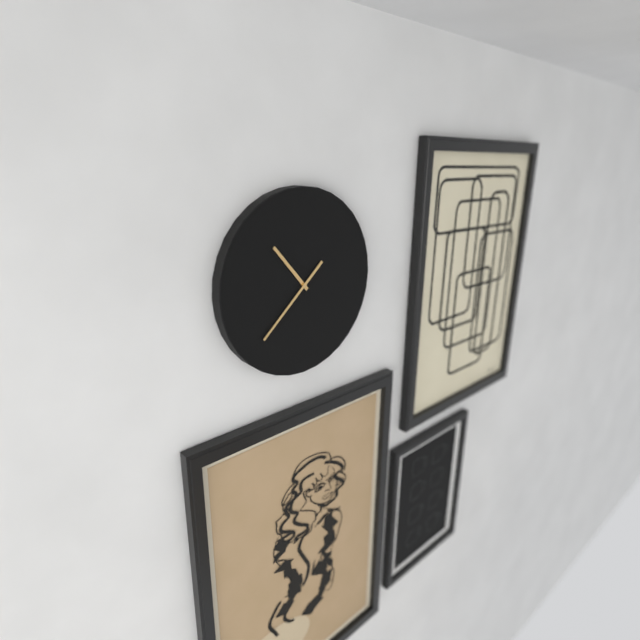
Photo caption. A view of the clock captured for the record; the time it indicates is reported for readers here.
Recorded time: 10:38
